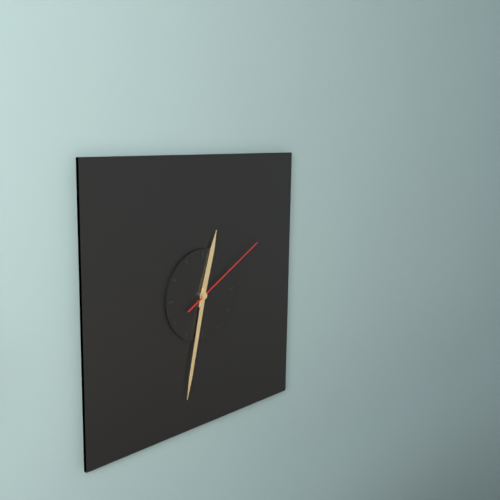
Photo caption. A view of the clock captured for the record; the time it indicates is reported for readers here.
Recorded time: 12:32:10
